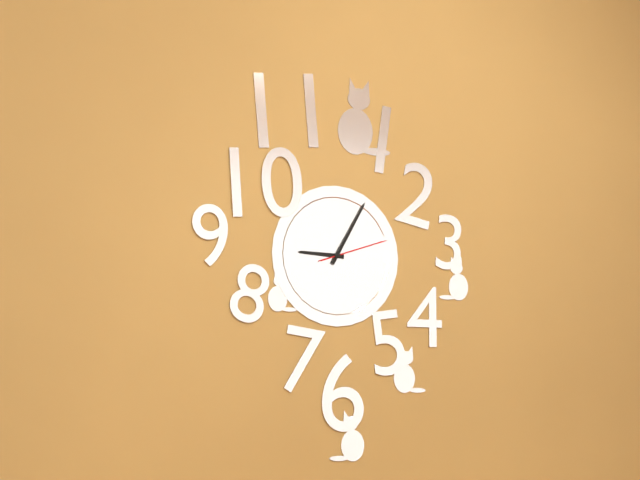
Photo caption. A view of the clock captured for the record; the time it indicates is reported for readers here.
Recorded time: 9:05:12
